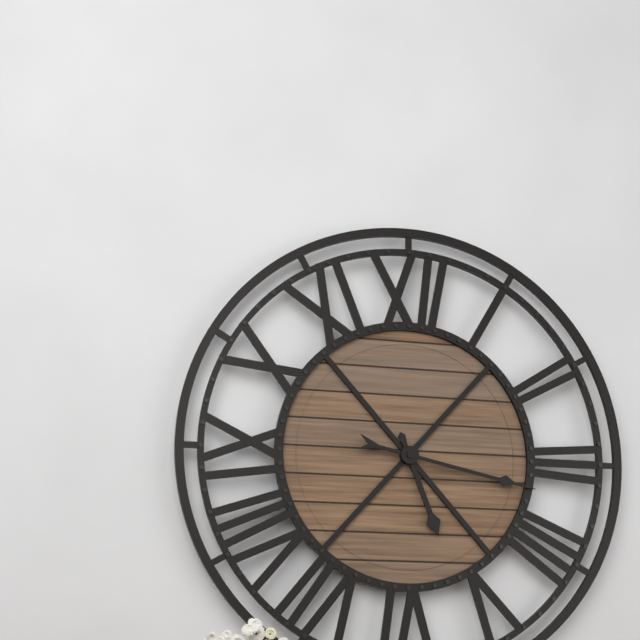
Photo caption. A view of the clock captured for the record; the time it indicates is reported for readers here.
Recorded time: 5:17
